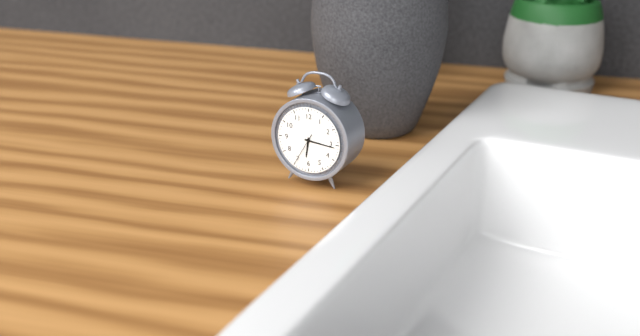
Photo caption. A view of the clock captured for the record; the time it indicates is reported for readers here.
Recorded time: 6:16
